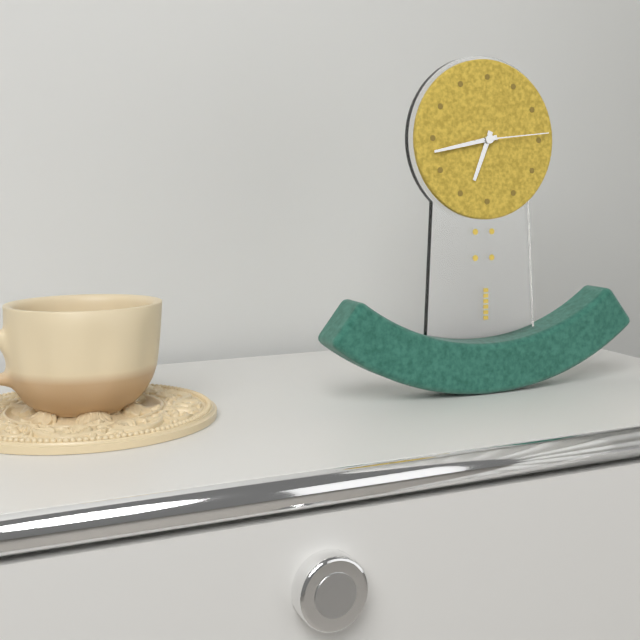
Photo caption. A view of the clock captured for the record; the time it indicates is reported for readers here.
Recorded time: 6:43:14
